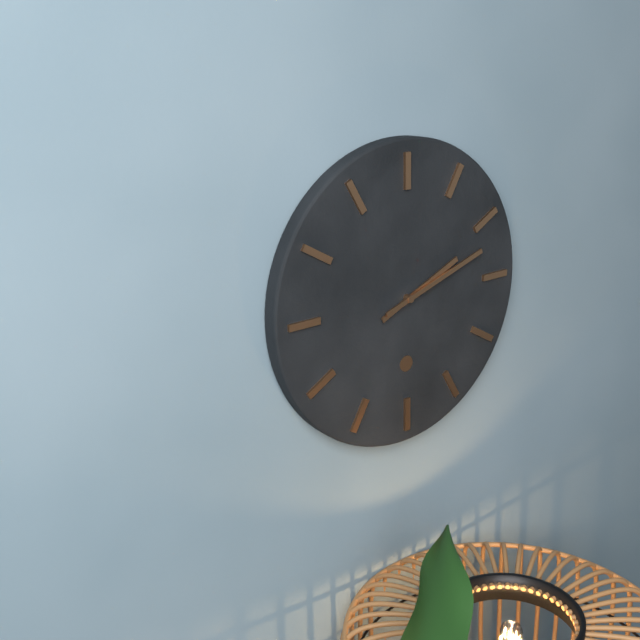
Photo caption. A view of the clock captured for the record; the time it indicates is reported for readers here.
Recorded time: 2:12
